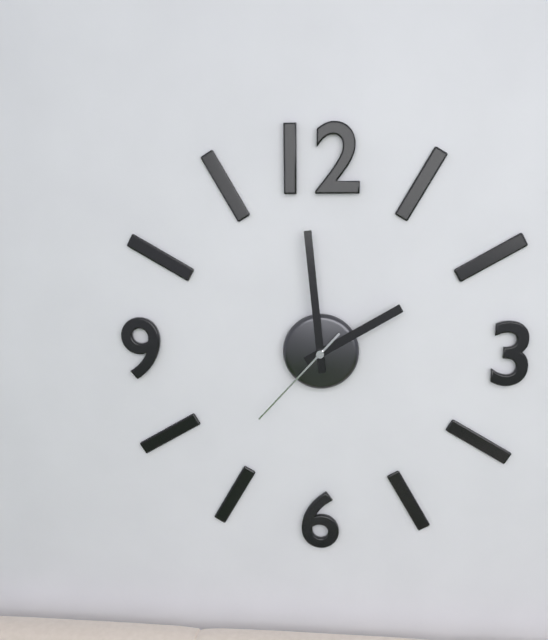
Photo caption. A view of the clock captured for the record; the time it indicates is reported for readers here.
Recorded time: 1:59:37
